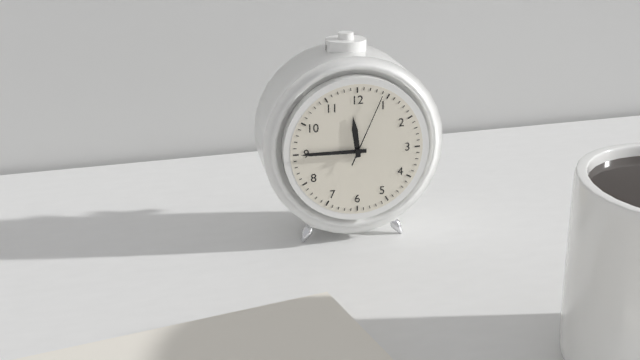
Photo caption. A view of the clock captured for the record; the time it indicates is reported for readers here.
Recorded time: 11:45:04
